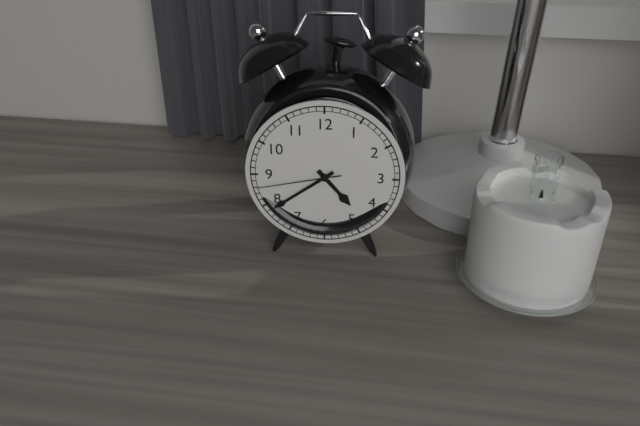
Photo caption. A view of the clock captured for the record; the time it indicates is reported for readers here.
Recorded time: 4:39:43
